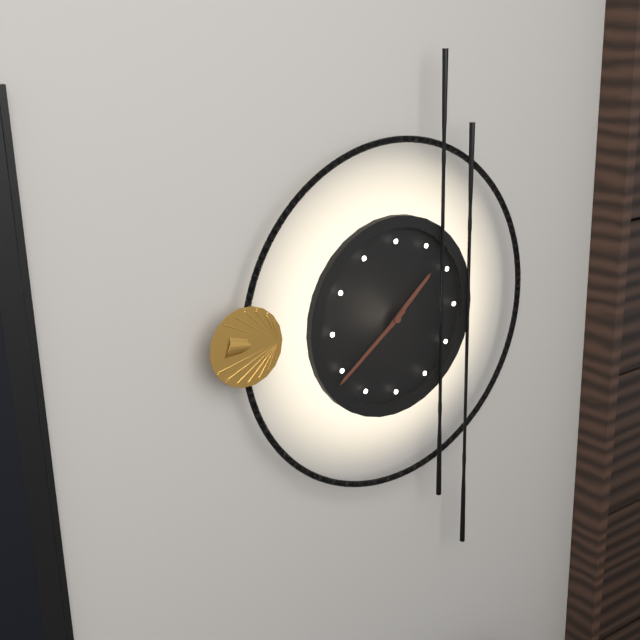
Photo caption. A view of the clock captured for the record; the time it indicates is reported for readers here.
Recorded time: 1:39
